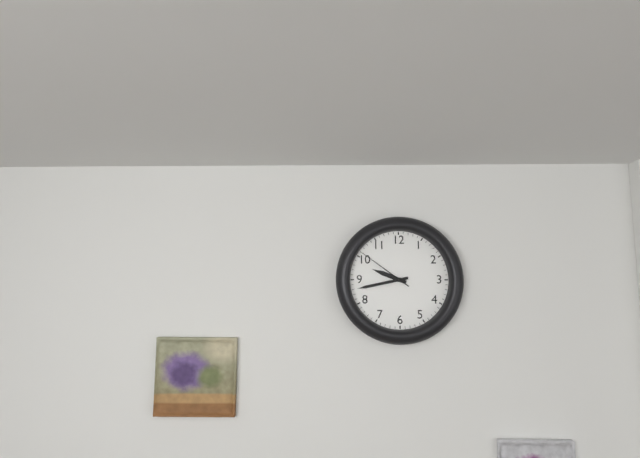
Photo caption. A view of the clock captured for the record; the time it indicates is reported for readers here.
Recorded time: 9:43:51
